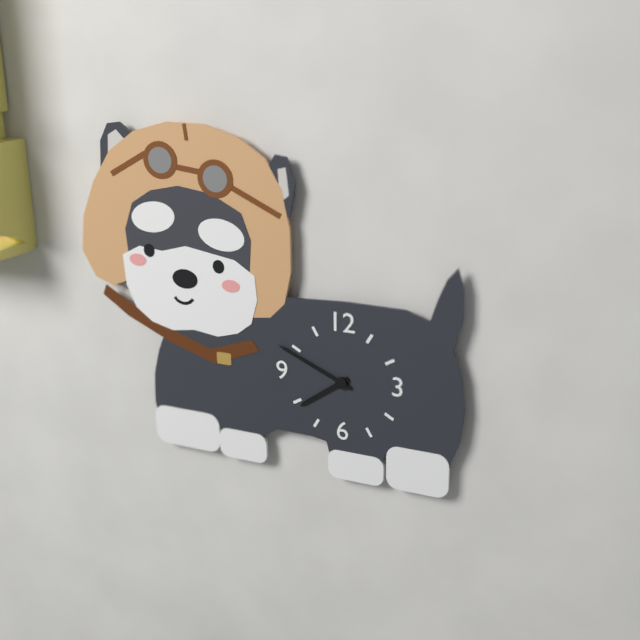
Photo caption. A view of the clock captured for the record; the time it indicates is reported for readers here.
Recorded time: 7:49
